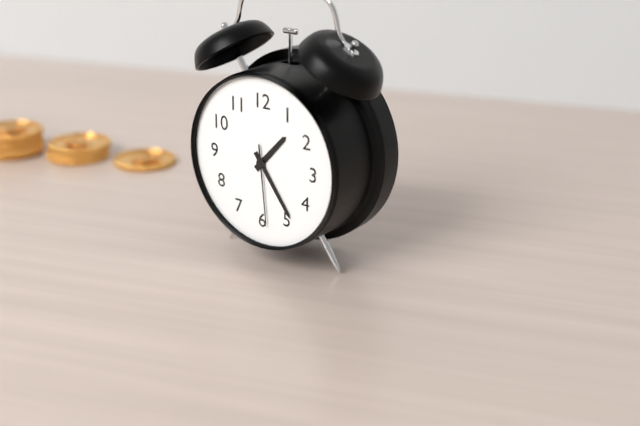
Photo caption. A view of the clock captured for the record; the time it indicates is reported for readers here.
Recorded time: 1:24:29
